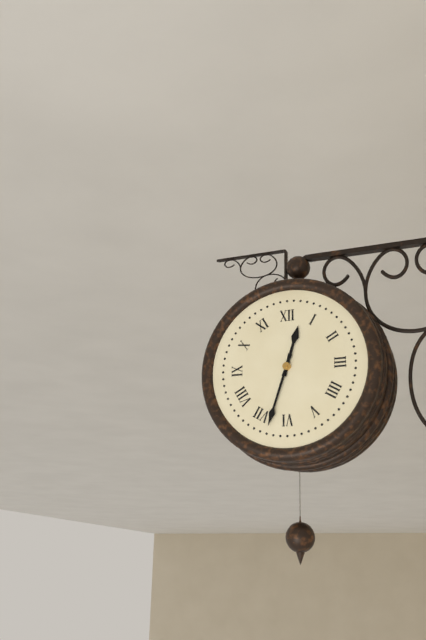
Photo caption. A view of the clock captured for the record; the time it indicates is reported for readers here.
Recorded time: 12:33
